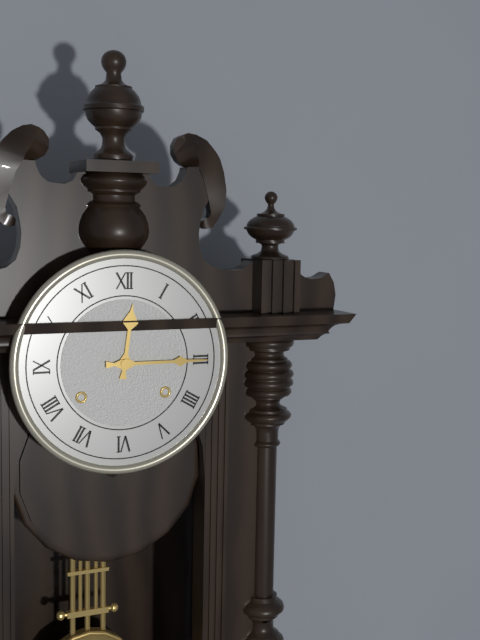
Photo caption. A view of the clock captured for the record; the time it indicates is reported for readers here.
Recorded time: 12:15
